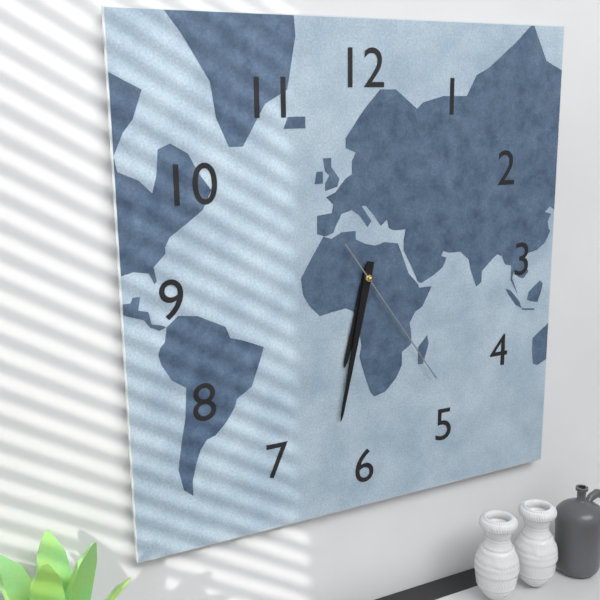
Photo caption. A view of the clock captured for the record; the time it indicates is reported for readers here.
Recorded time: 6:32:24
